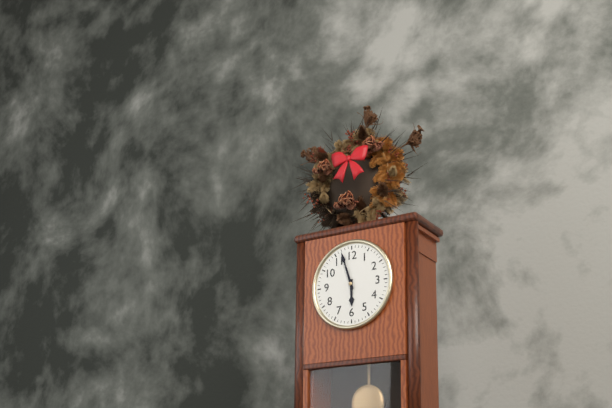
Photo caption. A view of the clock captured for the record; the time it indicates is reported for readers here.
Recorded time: 5:57
